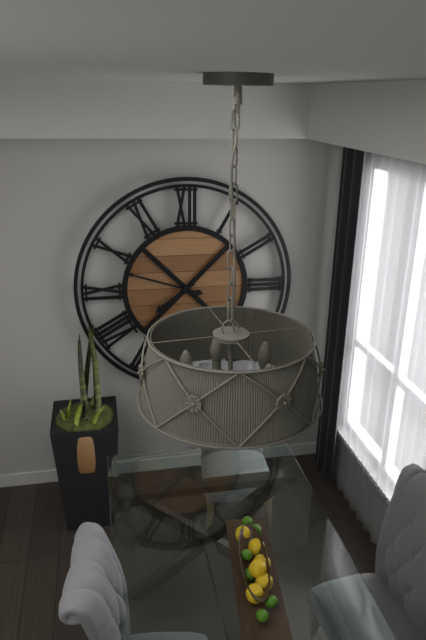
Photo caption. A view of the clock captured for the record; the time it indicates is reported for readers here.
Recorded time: 7:48
